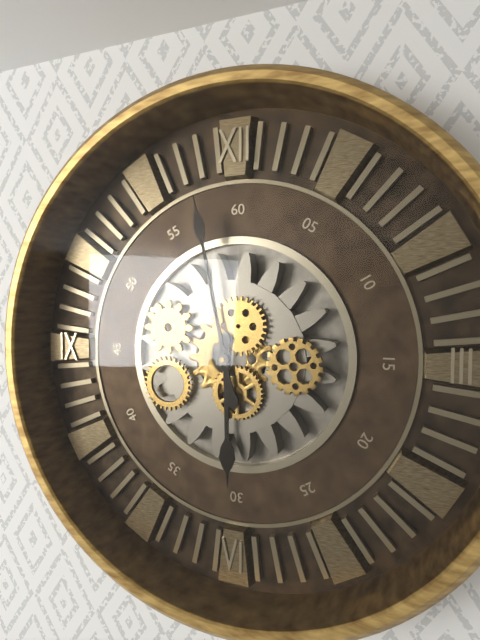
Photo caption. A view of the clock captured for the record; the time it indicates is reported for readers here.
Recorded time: 5:58
